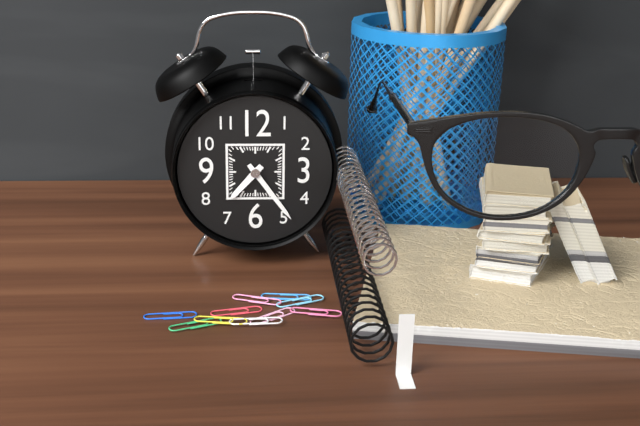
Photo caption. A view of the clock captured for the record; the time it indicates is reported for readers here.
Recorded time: 7:24
